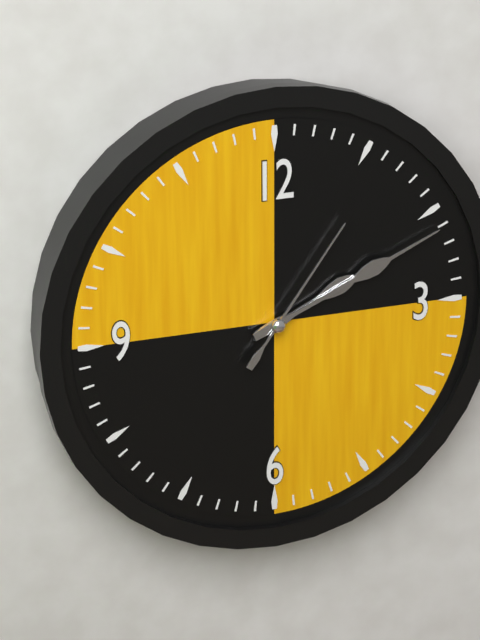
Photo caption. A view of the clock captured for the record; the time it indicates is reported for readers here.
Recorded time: 2:11:06
